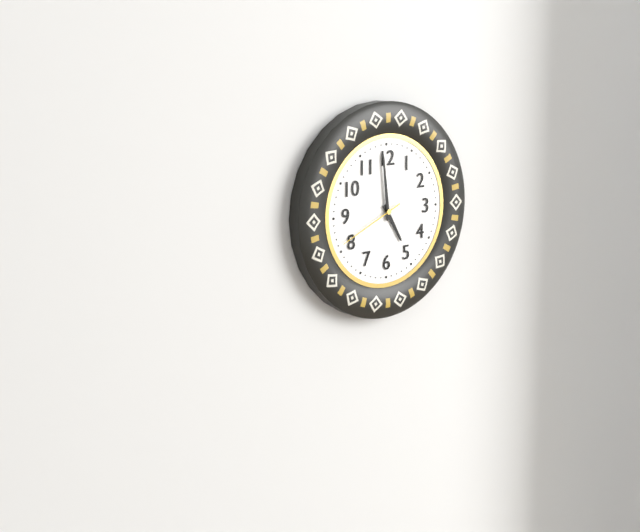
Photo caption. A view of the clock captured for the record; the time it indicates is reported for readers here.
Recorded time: 4:59:41
